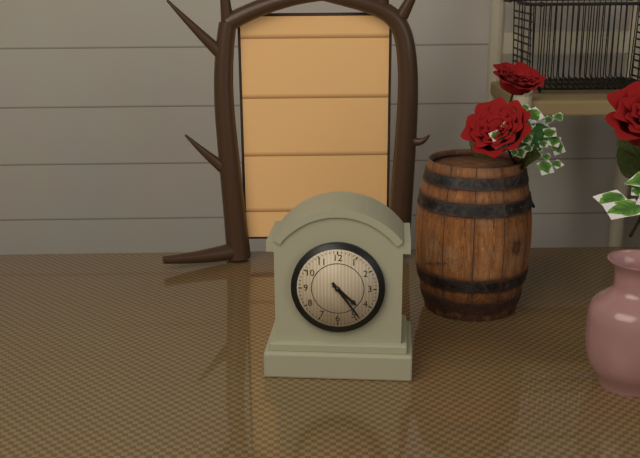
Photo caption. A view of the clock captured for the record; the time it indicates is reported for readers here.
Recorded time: 4:24
